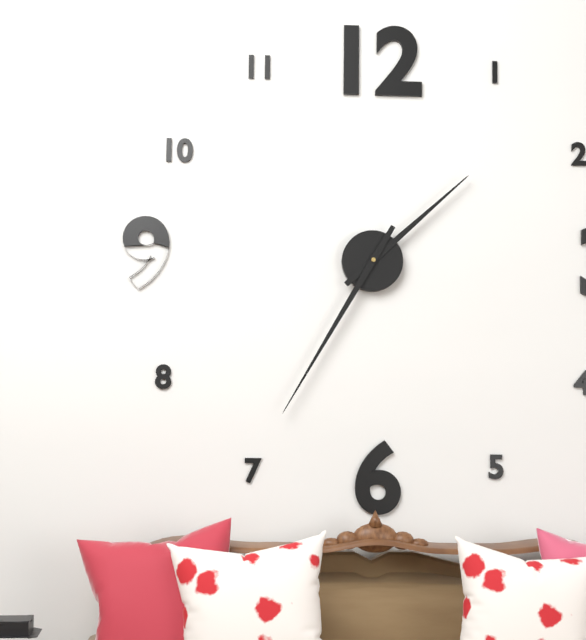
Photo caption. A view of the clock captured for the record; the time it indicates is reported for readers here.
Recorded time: 1:35
